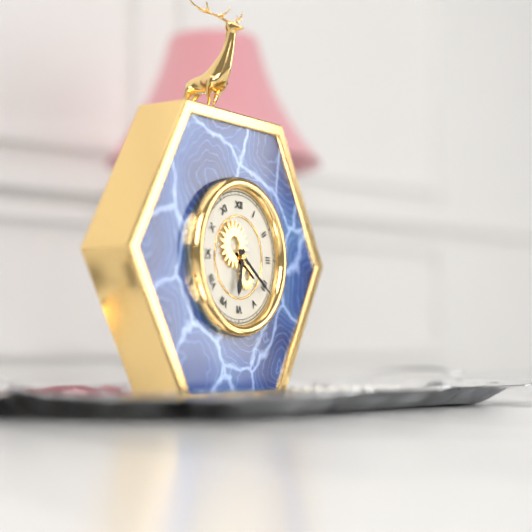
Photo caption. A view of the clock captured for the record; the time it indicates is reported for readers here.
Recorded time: 6:21
